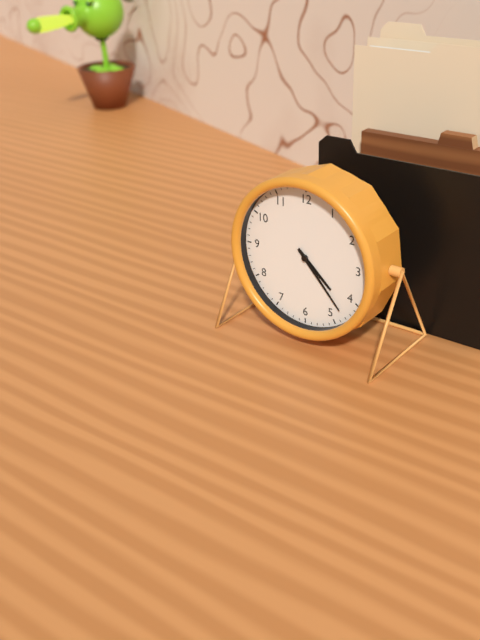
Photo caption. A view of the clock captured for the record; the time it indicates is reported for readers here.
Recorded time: 4:23
